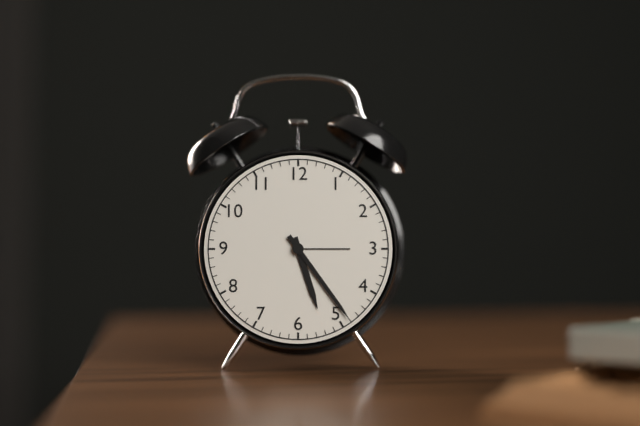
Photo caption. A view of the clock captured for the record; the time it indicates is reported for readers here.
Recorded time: 5:24
